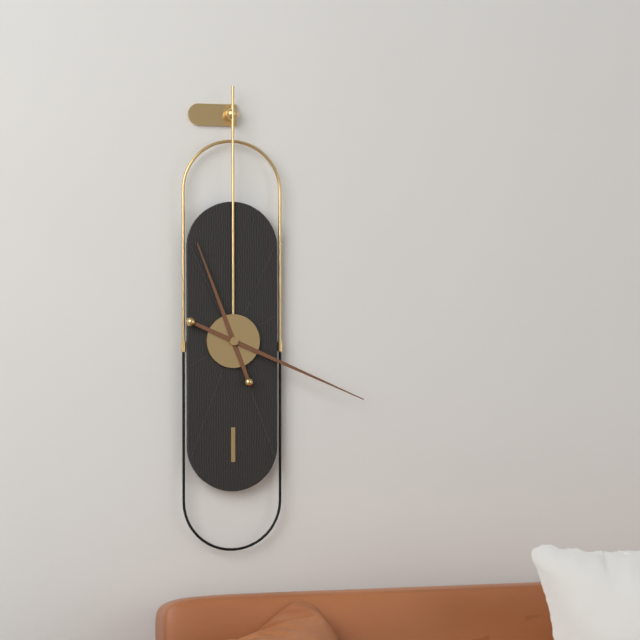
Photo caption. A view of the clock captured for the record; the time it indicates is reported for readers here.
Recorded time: 11:19
